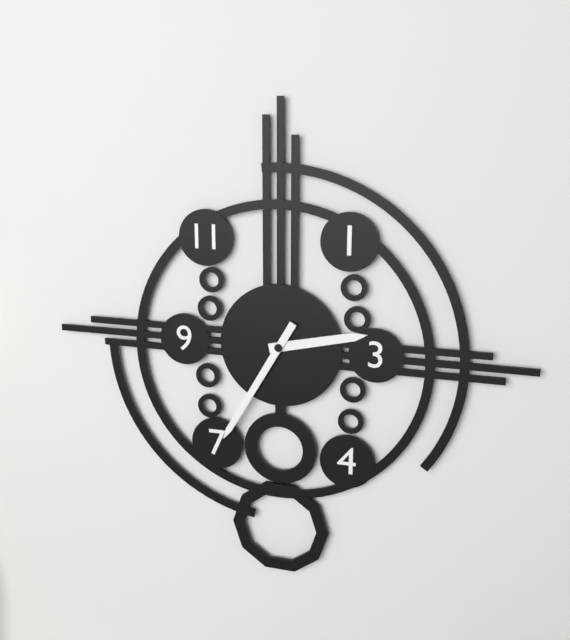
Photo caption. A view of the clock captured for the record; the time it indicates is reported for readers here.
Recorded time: 2:35
